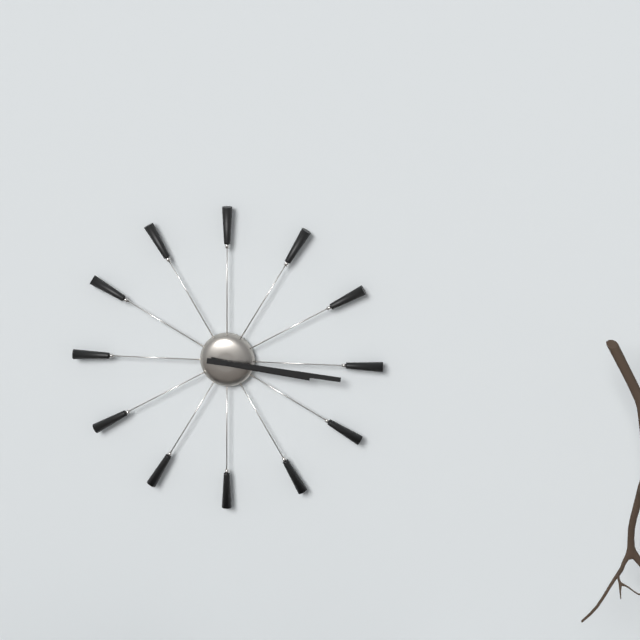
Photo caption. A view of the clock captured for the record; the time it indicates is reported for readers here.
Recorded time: 3:16
